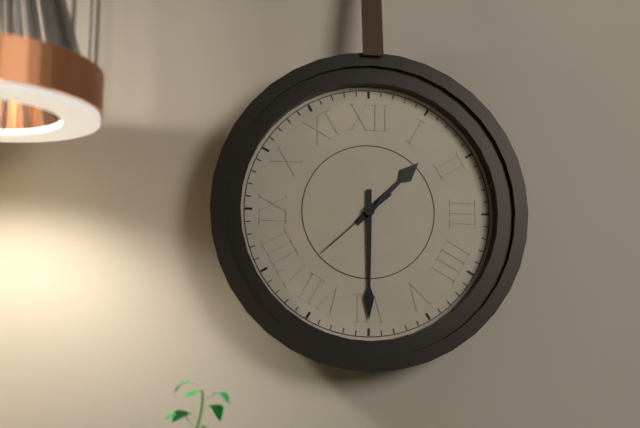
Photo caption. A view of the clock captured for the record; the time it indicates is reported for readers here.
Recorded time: 1:30:38
